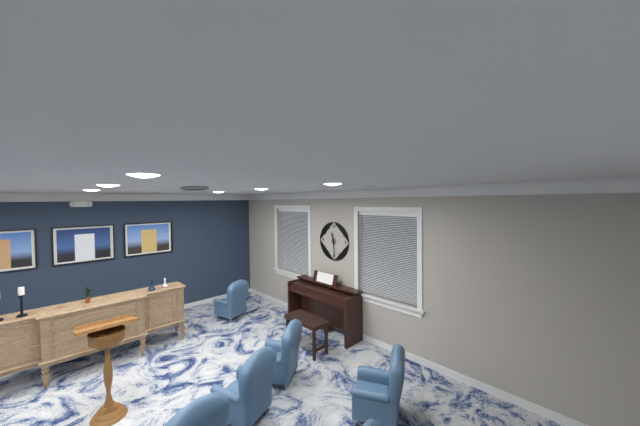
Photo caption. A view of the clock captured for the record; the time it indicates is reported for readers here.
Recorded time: 11:29
